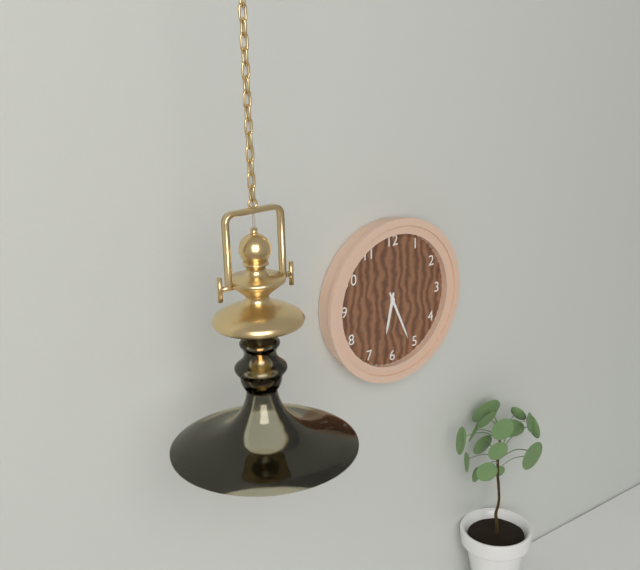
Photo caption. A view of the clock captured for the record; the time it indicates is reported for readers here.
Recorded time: 6:26
